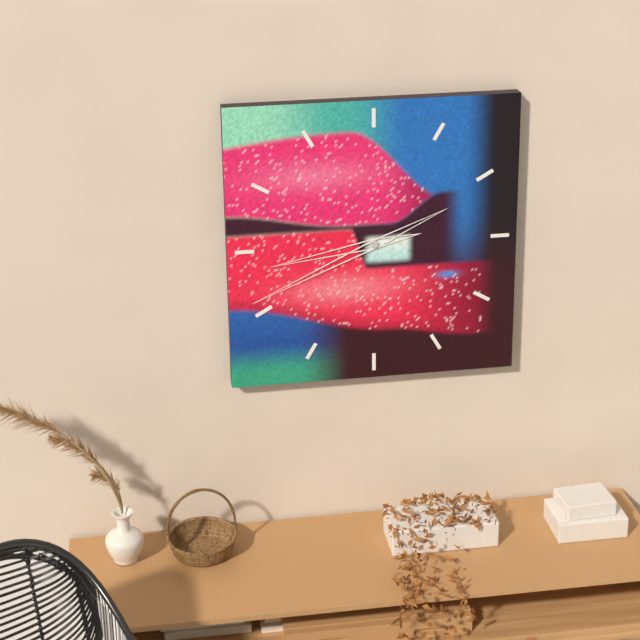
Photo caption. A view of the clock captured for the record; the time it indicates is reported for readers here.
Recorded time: 8:41
